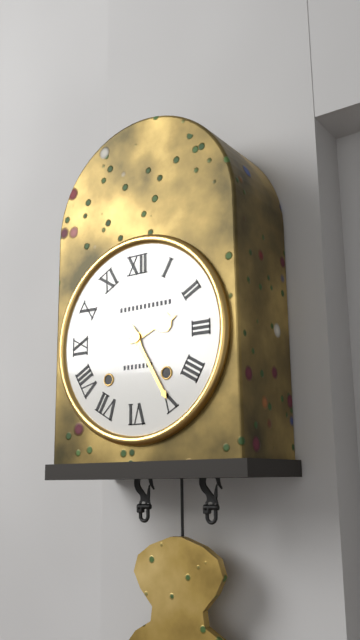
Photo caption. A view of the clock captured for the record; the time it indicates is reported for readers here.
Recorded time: 2:25
